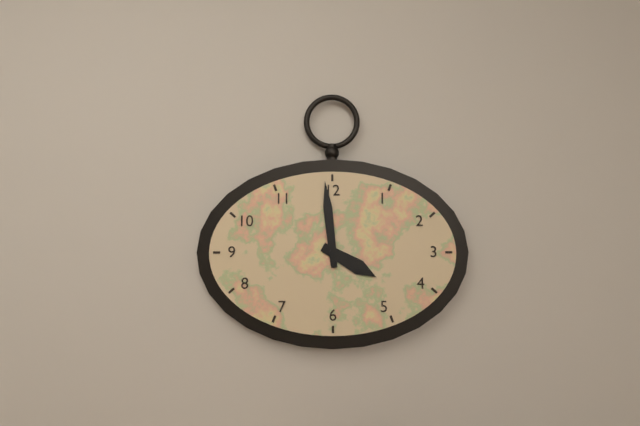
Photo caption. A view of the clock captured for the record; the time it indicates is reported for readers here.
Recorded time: 3:59
